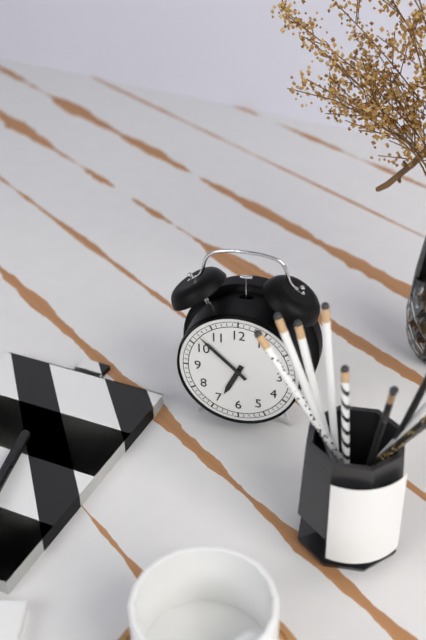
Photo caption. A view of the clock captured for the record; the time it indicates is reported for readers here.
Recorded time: 6:52
